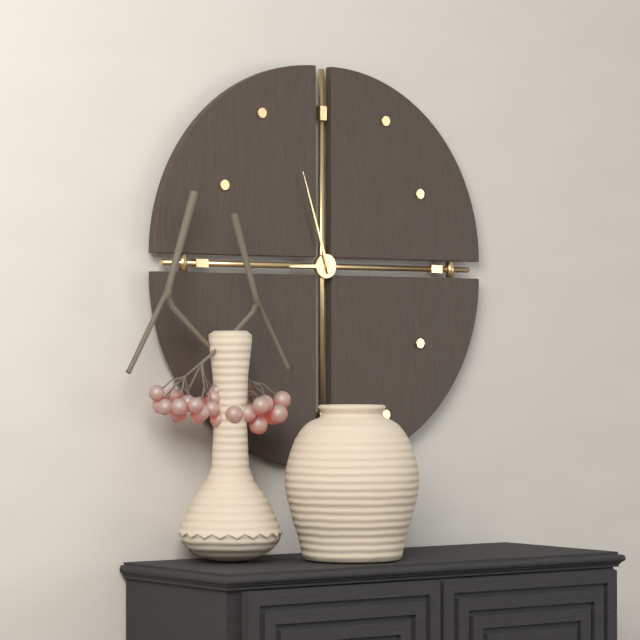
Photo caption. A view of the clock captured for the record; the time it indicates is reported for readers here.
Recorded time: 8:57
